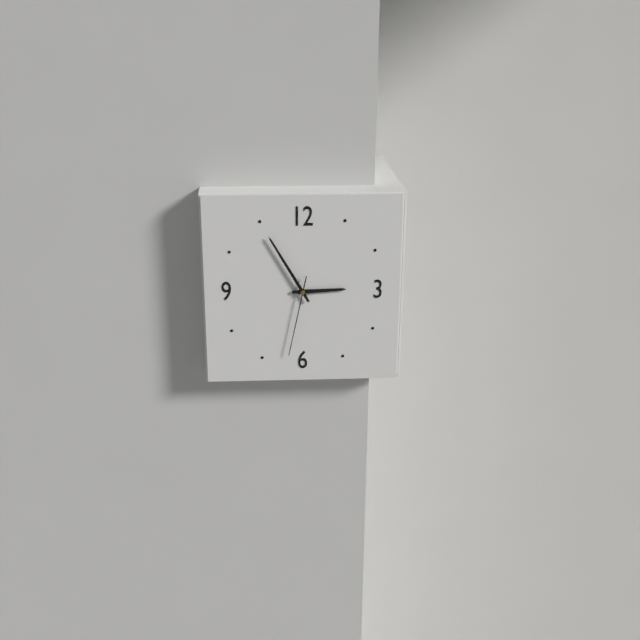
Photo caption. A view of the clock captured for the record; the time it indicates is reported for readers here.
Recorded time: 2:55:32
